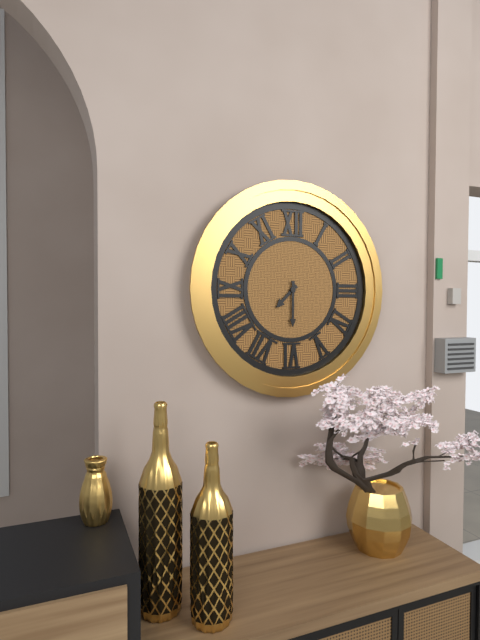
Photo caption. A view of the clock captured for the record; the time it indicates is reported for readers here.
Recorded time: 7:30
